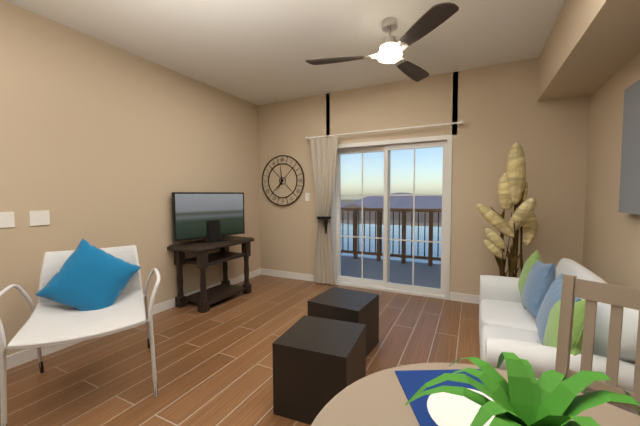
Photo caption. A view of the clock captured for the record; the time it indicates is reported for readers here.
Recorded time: 6:59
